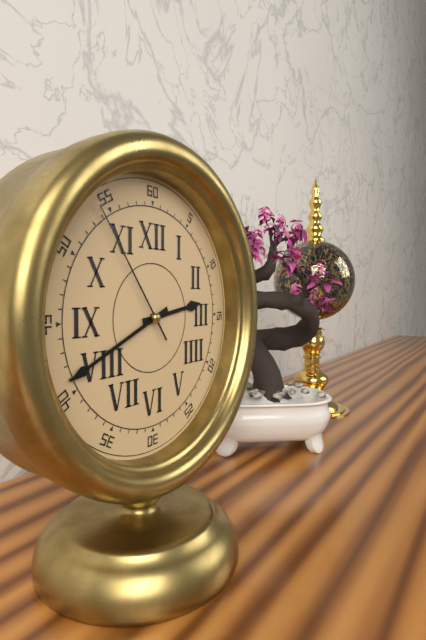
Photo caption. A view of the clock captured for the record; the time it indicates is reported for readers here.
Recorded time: 2:41:54
